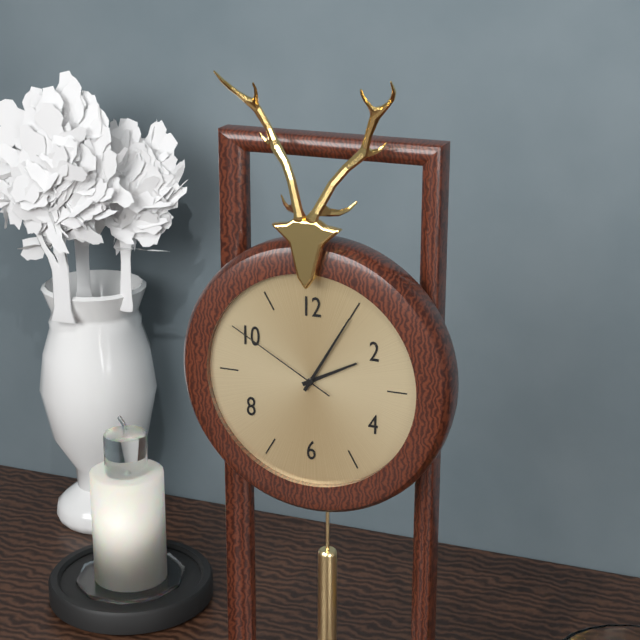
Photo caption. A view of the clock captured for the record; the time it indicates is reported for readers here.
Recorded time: 2:05:50
